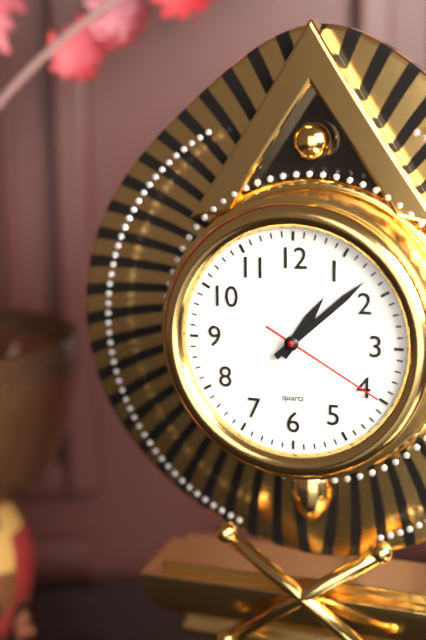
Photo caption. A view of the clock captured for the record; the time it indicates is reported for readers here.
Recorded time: 1:08:20
